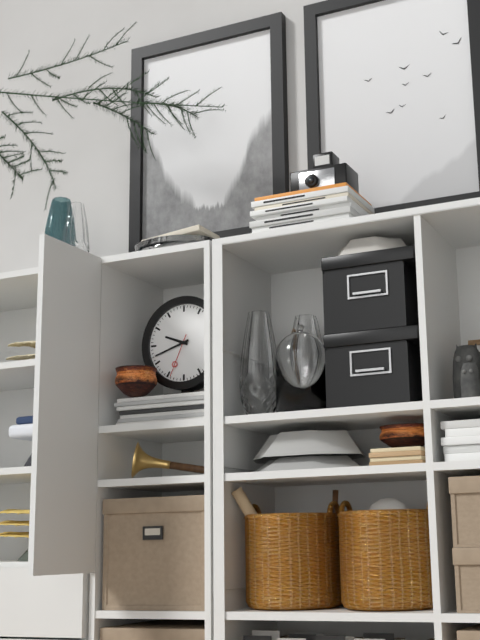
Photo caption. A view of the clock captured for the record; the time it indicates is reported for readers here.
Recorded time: 9:42
